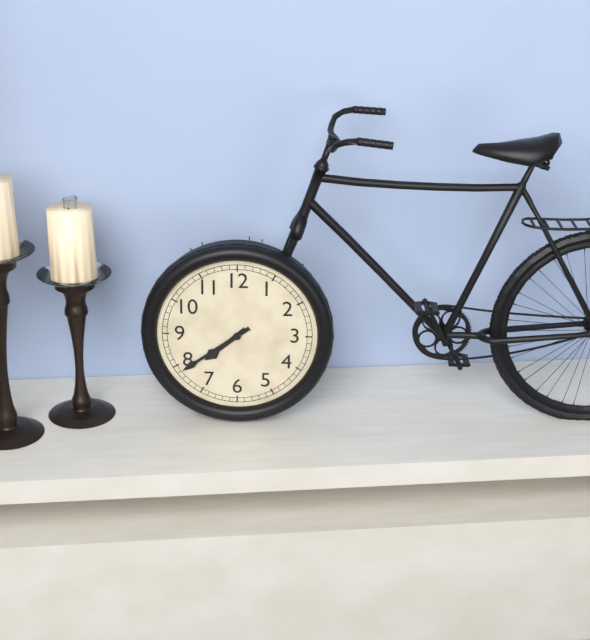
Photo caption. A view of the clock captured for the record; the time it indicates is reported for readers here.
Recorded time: 7:39
